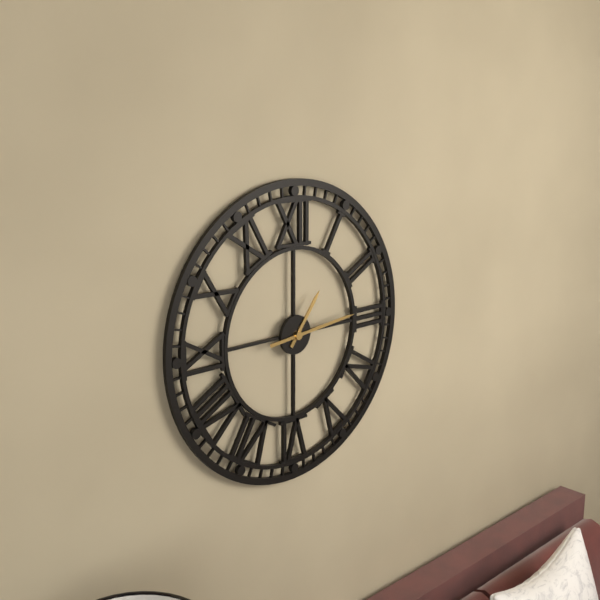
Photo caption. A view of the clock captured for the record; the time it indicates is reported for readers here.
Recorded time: 1:14
